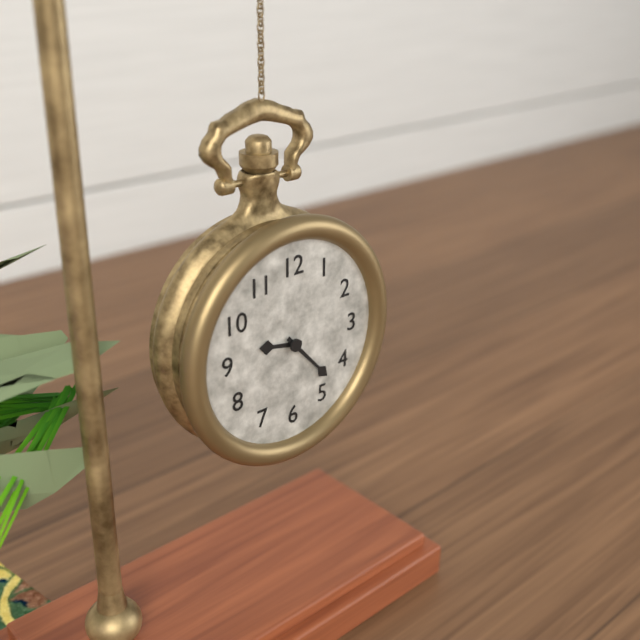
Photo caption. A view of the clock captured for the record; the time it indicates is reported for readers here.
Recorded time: 9:23
